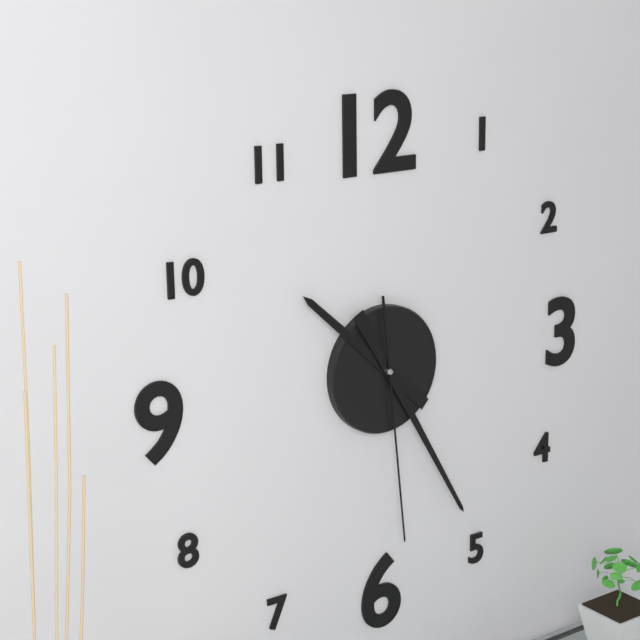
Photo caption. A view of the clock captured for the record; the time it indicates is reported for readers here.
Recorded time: 10:25:29
